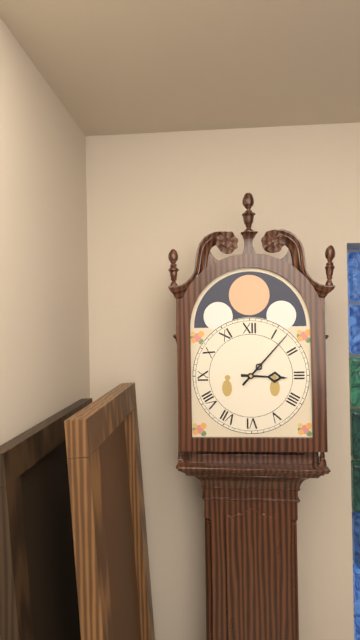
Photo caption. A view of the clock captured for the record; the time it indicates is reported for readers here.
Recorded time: 3:07
